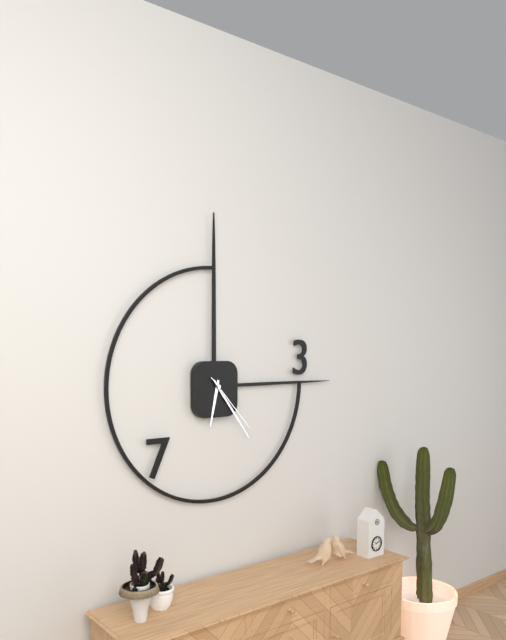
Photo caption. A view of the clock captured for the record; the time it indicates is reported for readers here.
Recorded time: 6:24:23
